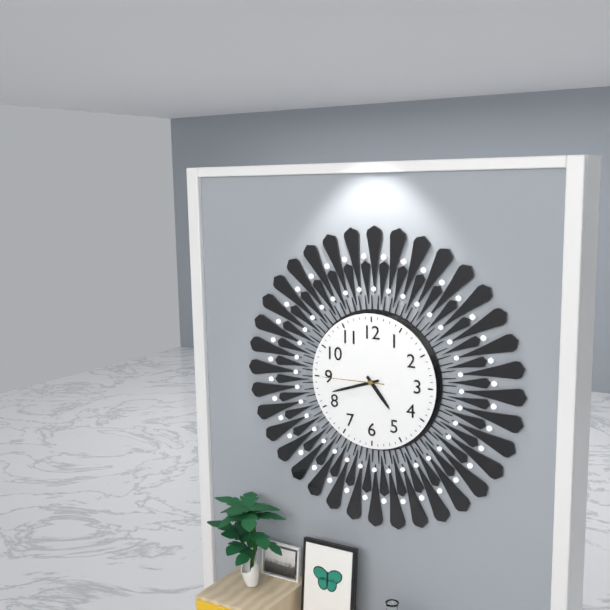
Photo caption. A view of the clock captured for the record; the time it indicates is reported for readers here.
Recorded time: 4:42:45
